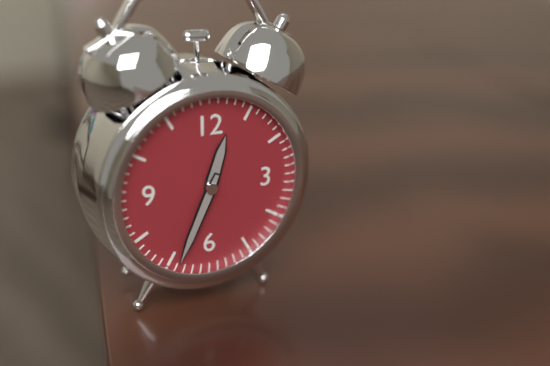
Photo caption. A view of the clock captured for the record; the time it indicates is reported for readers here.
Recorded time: 12:34
